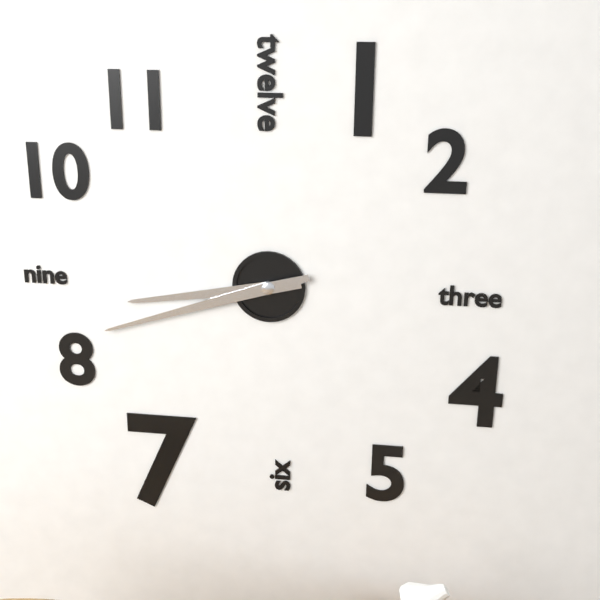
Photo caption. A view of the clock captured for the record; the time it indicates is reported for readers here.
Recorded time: 8:42
